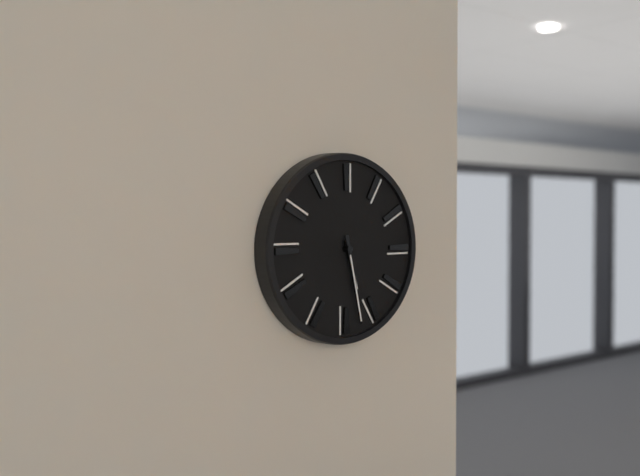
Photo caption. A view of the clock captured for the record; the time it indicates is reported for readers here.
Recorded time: 5:28
